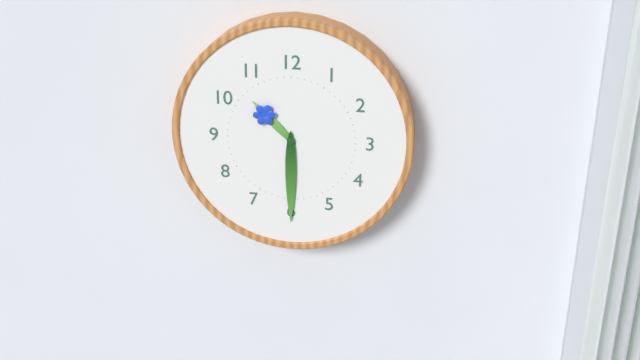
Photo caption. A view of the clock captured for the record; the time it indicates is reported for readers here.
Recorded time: 10:30
